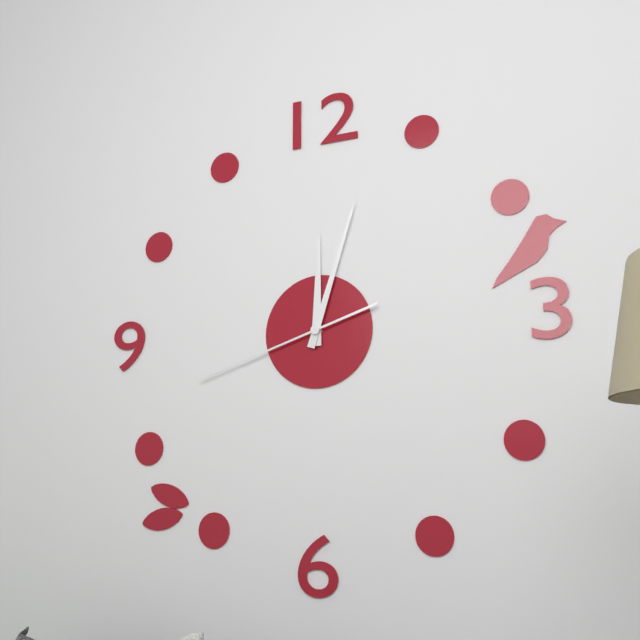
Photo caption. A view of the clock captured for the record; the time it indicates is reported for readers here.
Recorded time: 12:03:42
